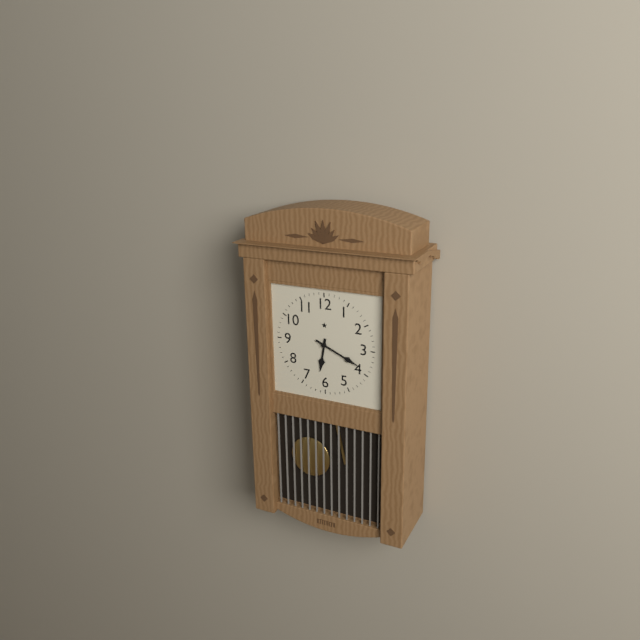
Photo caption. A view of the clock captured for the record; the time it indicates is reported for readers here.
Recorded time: 6:19
